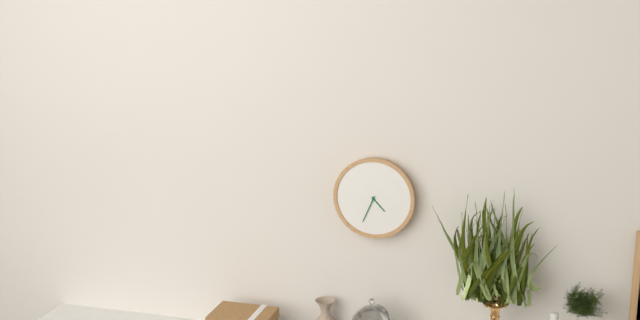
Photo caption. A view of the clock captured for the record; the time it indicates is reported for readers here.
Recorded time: 4:34
